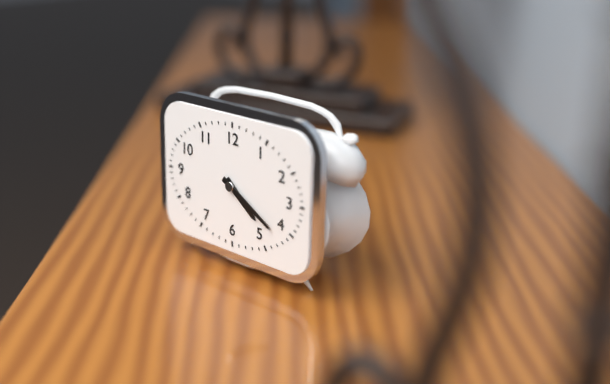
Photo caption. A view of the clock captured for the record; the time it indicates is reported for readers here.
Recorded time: 4:20
